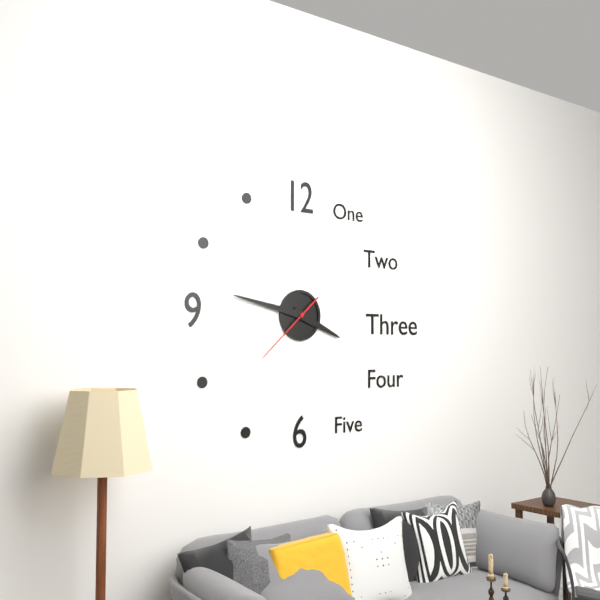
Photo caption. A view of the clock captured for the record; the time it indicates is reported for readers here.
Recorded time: 3:47:38
